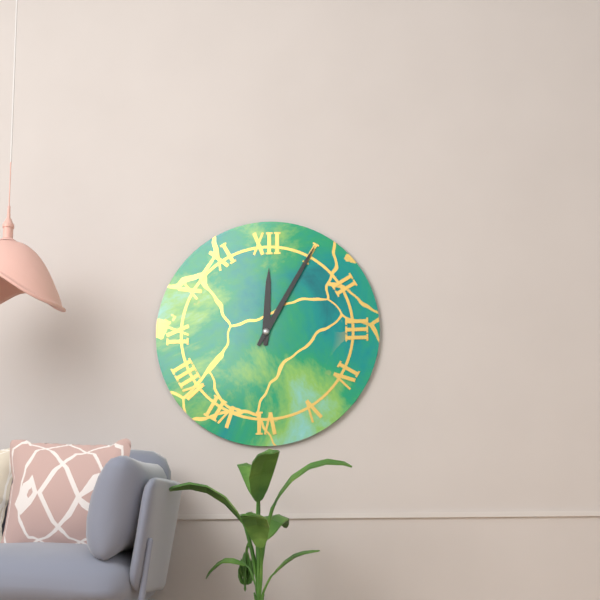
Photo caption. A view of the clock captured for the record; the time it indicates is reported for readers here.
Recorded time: 12:05
